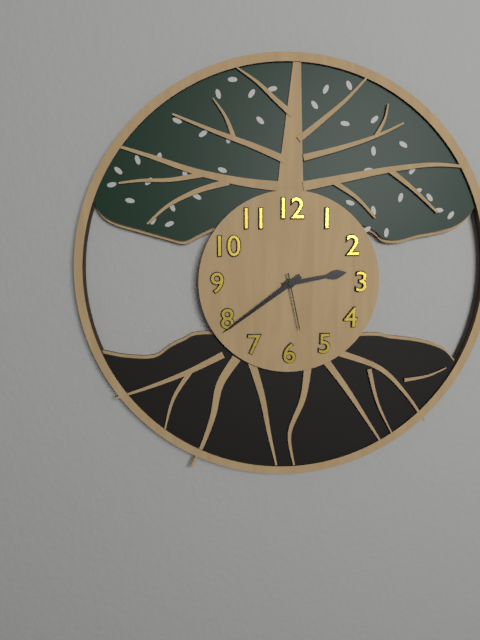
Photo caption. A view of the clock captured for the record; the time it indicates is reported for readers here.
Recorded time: 2:39:28
